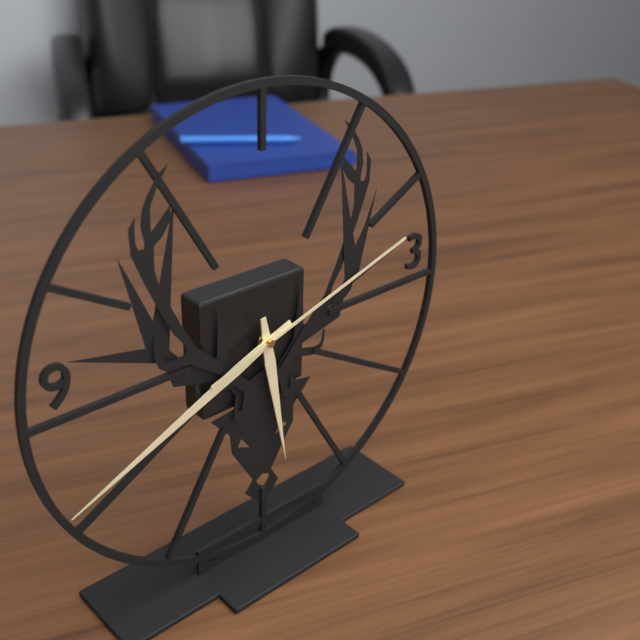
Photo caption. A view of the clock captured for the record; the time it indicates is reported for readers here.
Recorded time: 5:41:12
